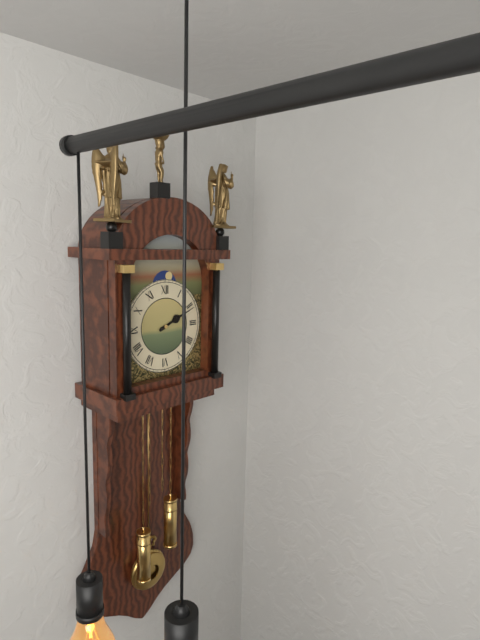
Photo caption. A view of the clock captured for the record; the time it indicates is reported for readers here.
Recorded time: 2:11
